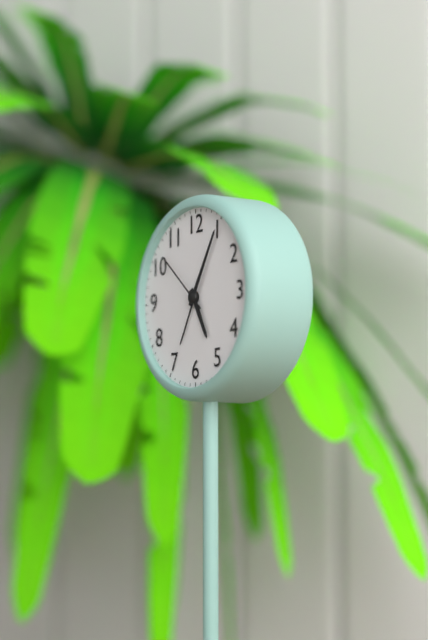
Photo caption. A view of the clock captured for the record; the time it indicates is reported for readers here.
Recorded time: 5:05:52
